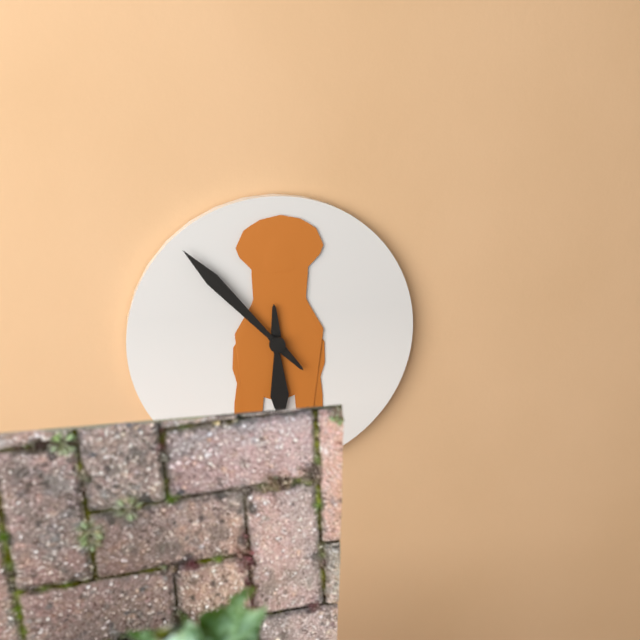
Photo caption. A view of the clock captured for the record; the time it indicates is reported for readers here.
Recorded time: 5:53
